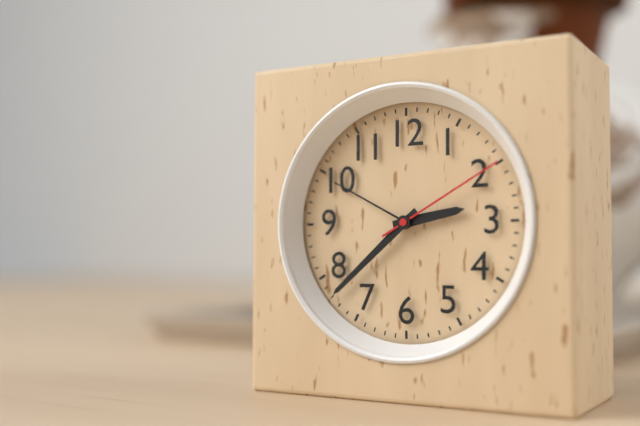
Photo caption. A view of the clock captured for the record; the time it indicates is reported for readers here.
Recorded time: 2:38:10
